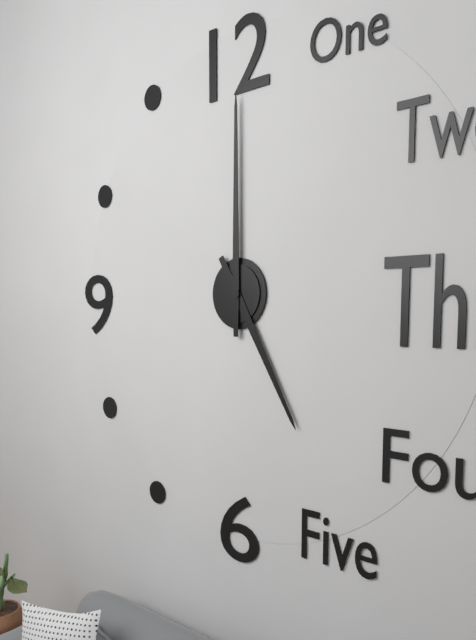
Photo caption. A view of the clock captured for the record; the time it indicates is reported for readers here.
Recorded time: 5:00
